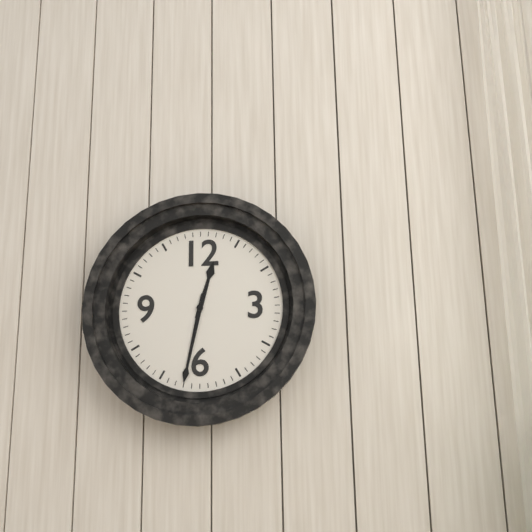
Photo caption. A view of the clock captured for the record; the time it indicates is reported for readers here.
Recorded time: 12:32
